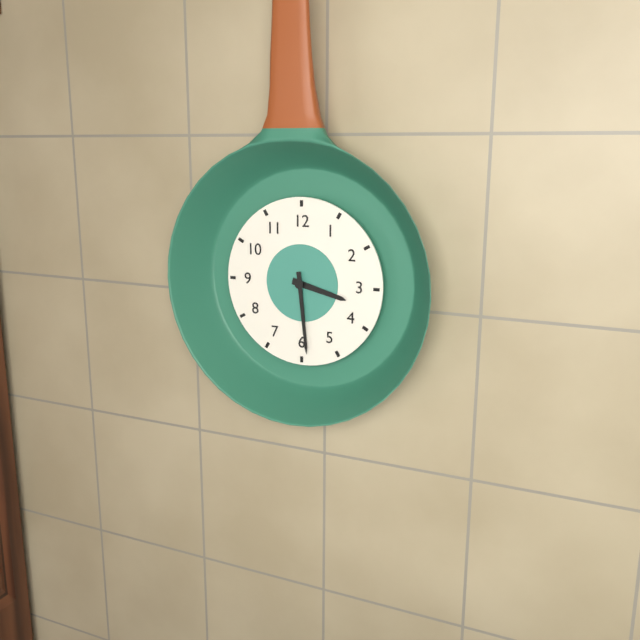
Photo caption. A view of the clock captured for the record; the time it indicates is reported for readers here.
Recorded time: 3:29
